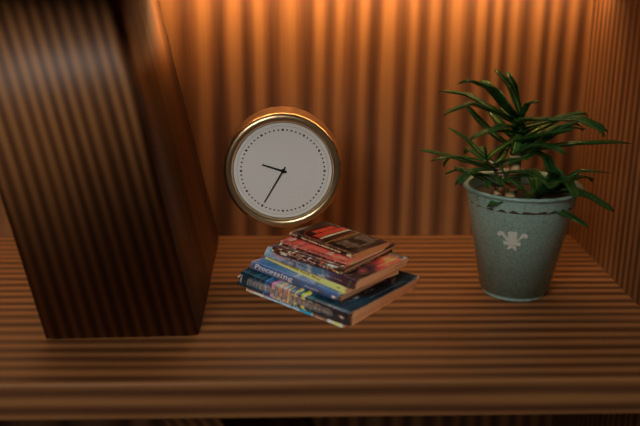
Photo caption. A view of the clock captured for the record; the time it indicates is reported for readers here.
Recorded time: 9:35
